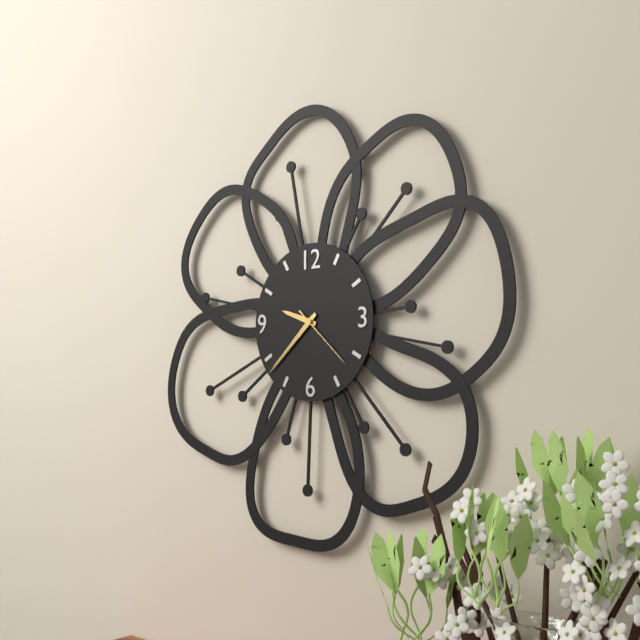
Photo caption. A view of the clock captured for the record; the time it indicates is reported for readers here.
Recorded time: 9:38:22
